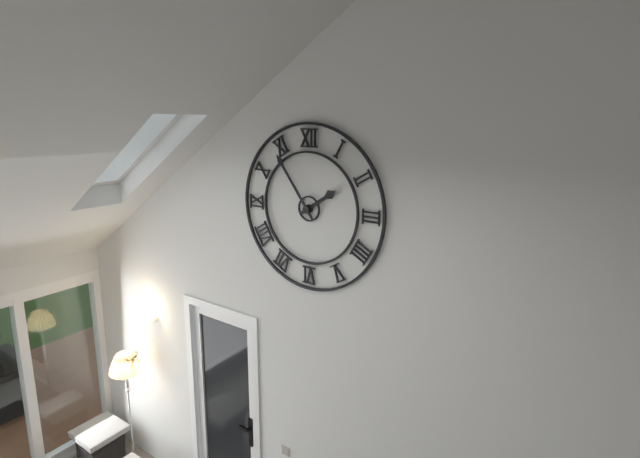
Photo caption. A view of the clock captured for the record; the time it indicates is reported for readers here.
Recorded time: 1:54
